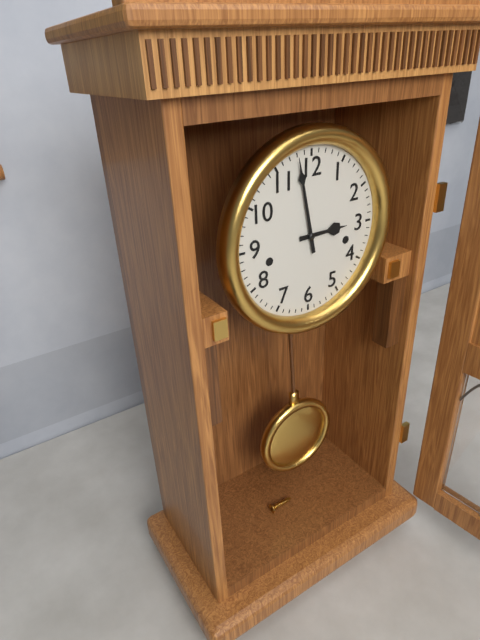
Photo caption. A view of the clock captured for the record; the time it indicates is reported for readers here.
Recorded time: 2:58
